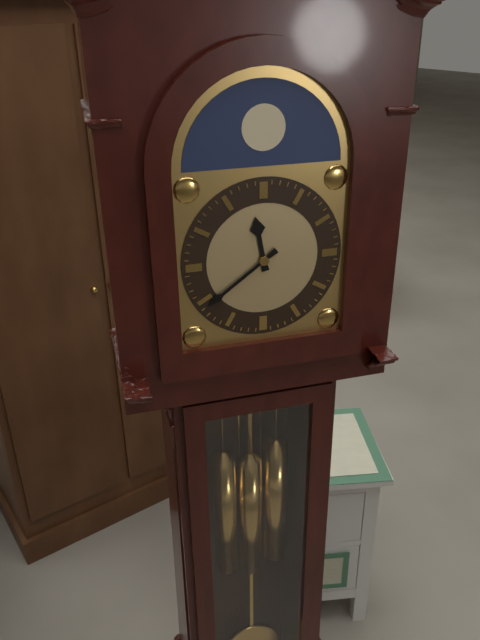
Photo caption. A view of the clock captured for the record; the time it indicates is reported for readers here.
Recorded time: 11:39
